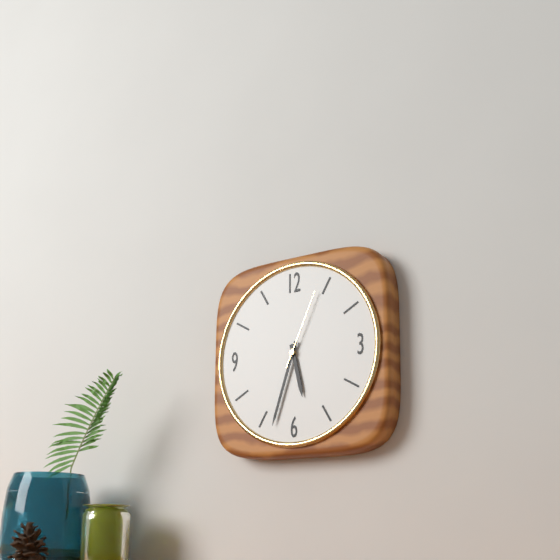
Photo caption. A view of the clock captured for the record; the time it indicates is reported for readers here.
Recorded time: 5:33:04
